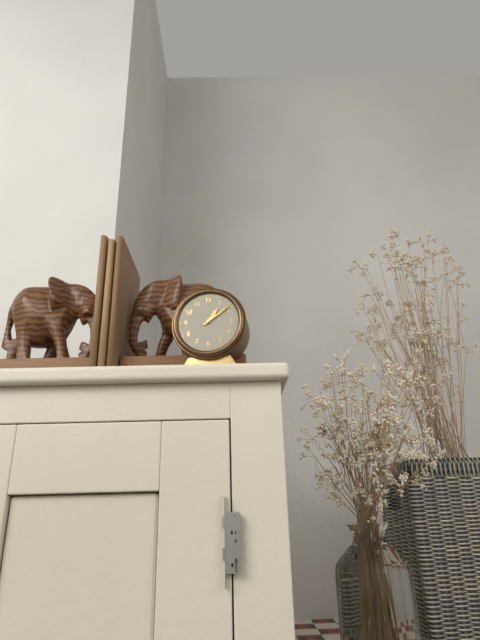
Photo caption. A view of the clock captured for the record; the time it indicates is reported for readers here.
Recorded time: 1:09
